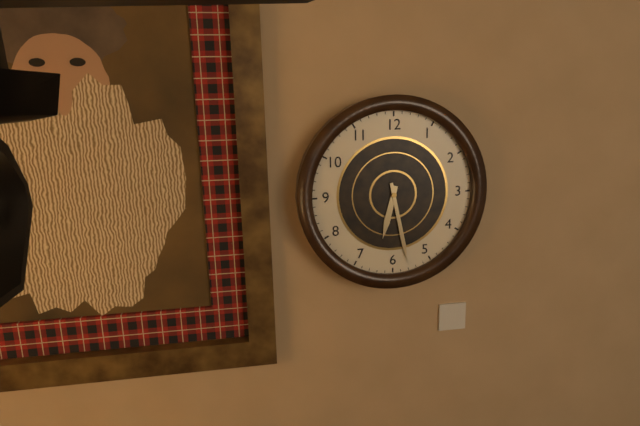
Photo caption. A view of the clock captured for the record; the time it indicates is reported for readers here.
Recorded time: 6:28
